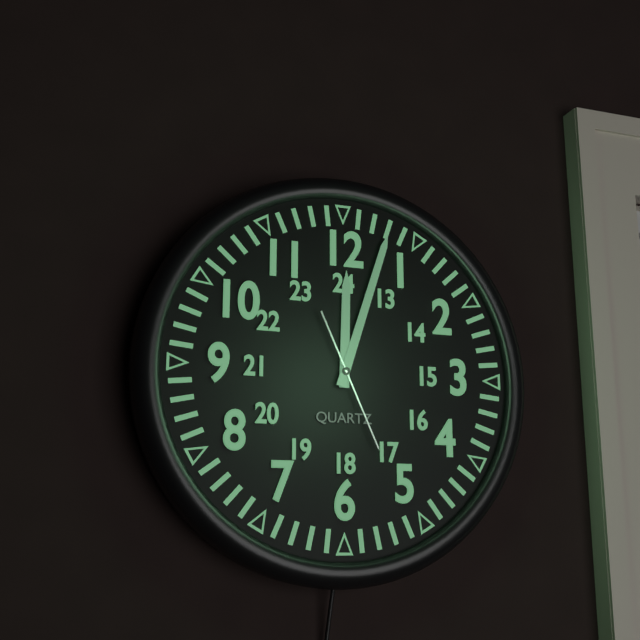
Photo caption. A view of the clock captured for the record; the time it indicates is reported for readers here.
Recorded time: 12:03:26
